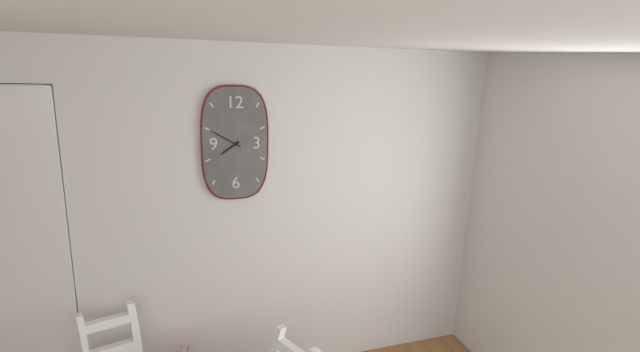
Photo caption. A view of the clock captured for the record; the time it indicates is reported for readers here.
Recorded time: 7:50
